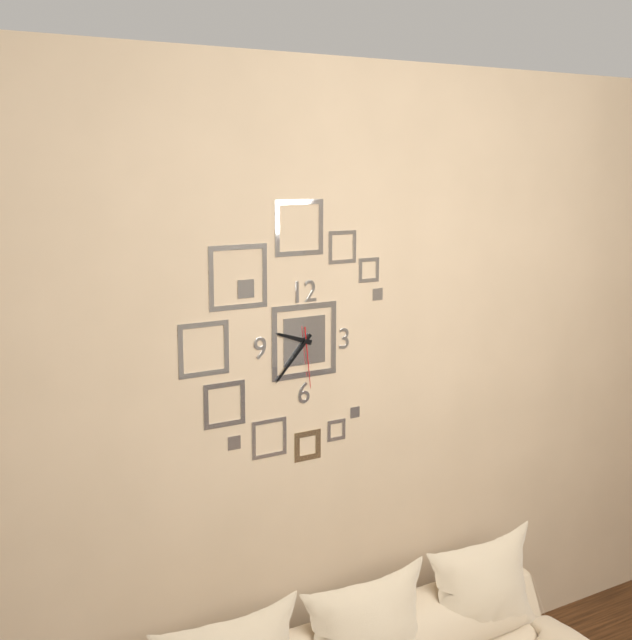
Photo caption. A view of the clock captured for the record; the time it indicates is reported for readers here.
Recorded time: 9:37:29
